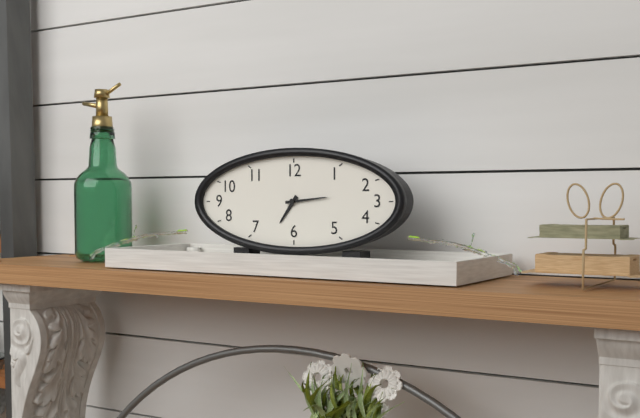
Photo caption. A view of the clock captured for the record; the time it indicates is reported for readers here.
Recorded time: 7:14
